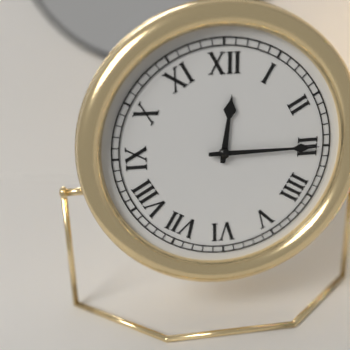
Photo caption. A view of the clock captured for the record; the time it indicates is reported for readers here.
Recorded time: 12:15
